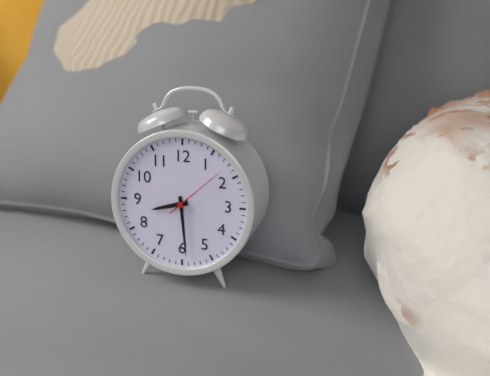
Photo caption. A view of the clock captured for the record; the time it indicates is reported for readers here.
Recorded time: 8:29:08
